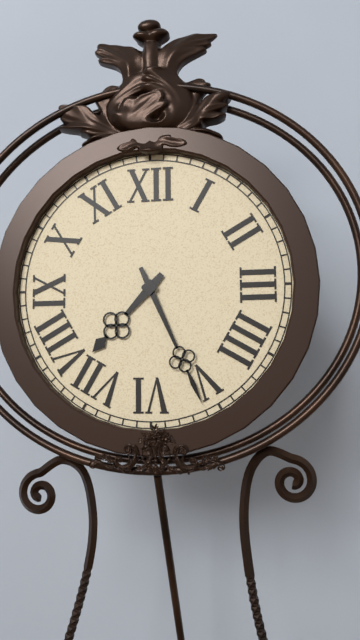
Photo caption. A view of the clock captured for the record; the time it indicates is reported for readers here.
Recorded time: 7:26
